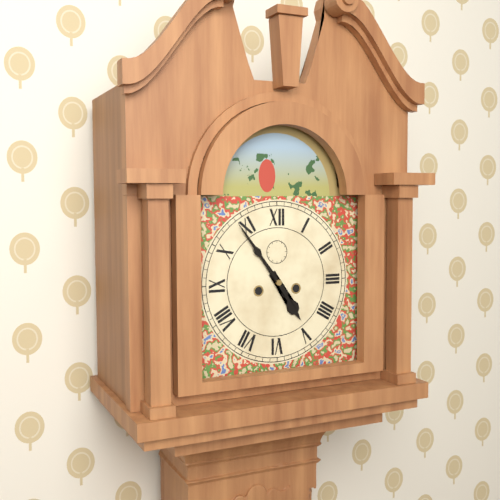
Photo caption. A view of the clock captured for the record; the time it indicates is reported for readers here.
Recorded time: 4:54
